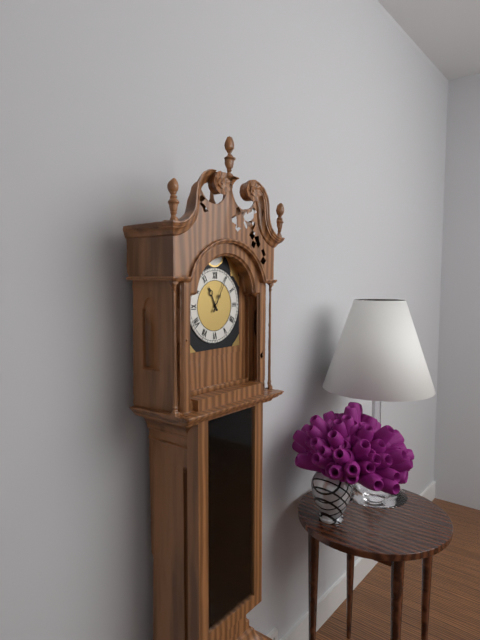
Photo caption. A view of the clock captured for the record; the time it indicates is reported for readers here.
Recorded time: 11:05
